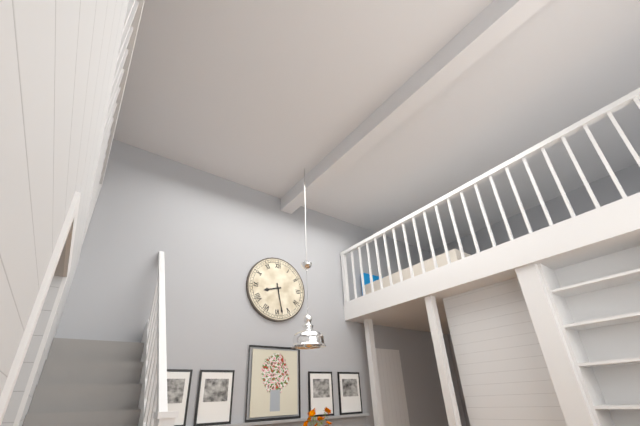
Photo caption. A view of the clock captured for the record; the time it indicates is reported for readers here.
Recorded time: 8:28
